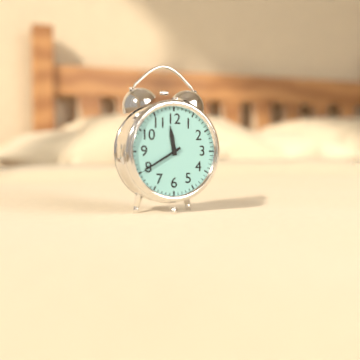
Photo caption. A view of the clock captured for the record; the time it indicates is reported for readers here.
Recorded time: 11:40
